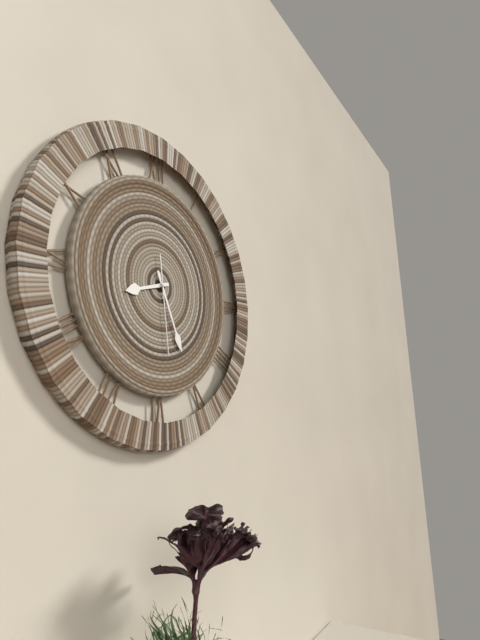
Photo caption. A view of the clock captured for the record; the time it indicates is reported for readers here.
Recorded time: 8:26:29
